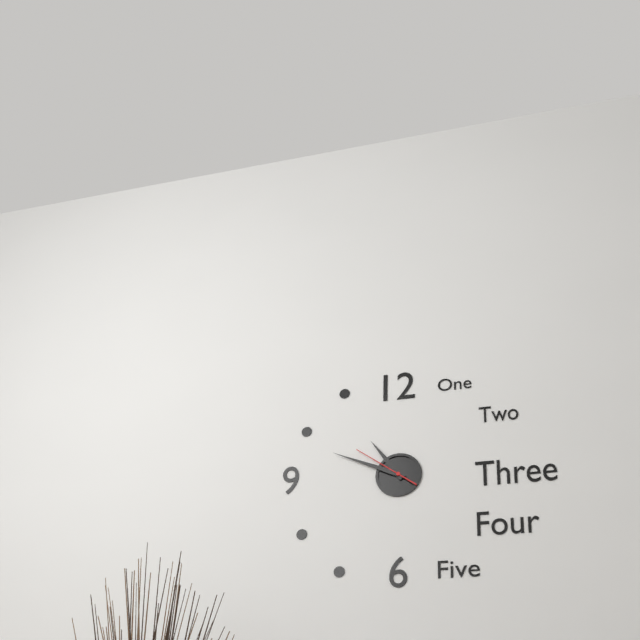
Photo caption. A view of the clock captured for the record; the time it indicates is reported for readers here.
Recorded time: 10:49:51
